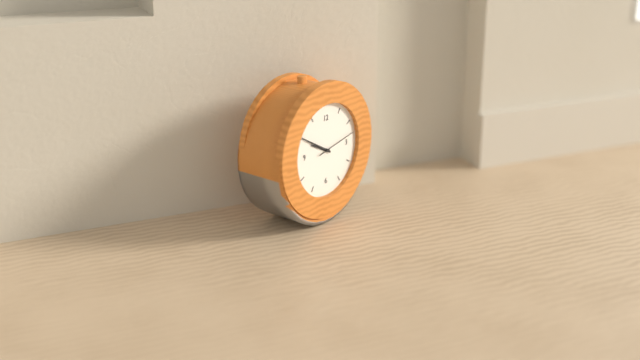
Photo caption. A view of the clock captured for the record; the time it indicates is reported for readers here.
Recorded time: 9:50
